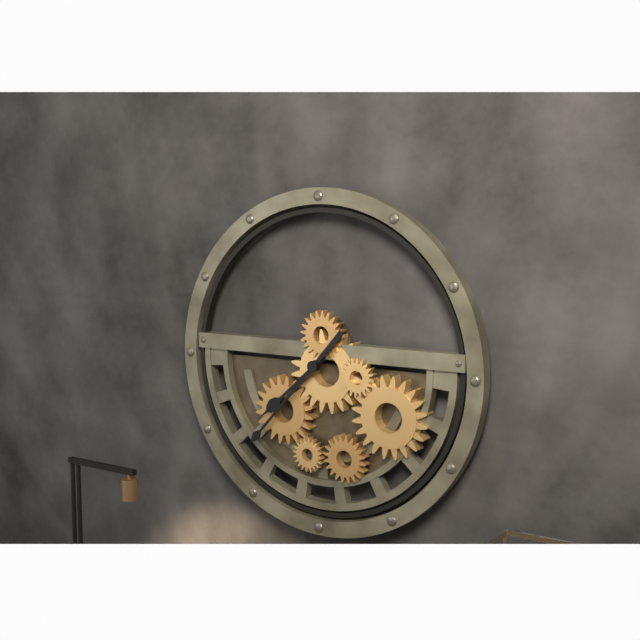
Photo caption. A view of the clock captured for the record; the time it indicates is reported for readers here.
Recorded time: 7:37
